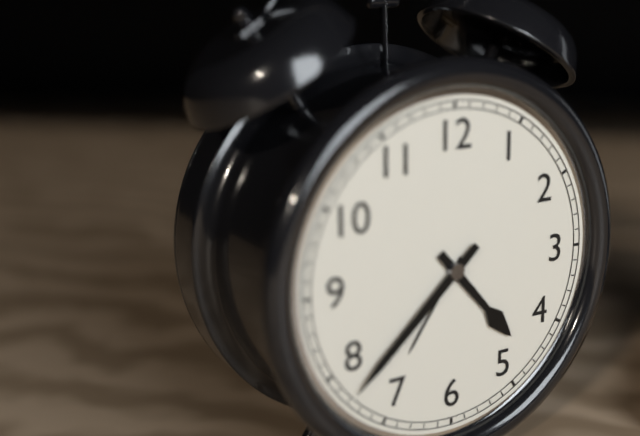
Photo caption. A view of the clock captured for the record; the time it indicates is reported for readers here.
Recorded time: 4:38
